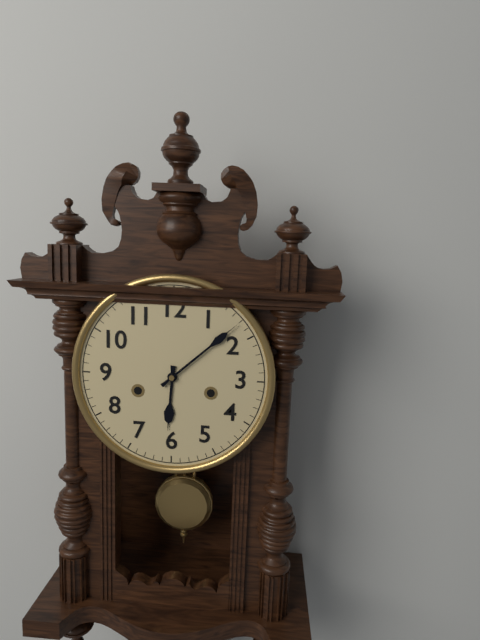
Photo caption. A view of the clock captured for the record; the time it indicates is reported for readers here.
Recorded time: 6:08
